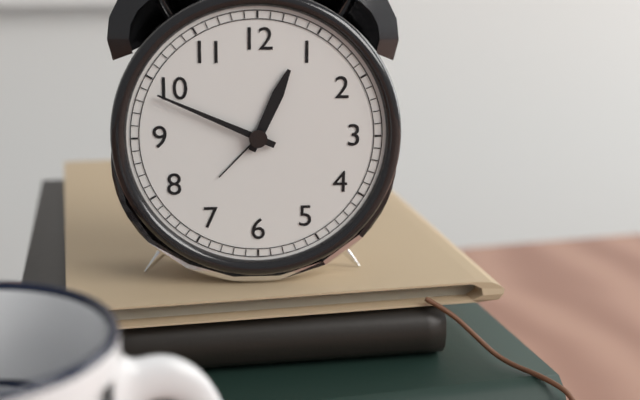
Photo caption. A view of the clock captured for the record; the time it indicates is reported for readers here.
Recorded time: 12:49
